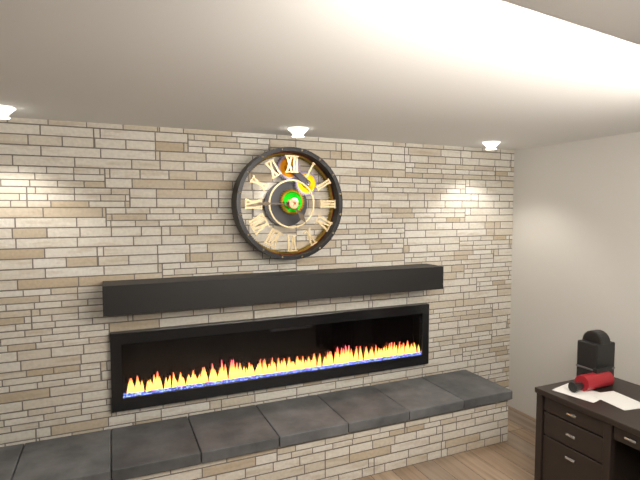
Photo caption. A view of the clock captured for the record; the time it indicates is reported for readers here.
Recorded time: 4:45
